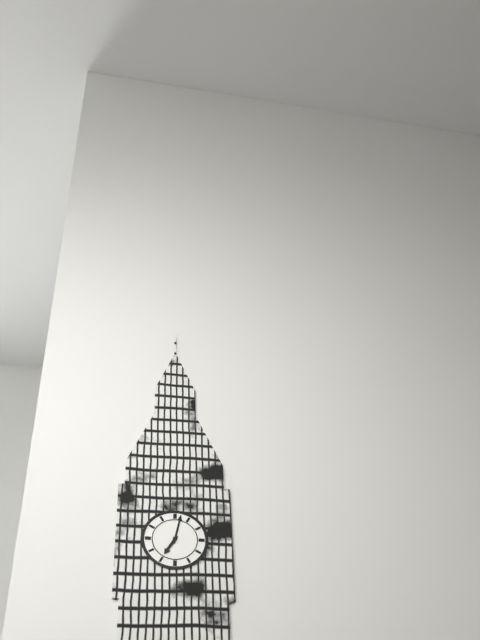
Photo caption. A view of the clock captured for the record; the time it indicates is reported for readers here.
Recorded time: 7:02
